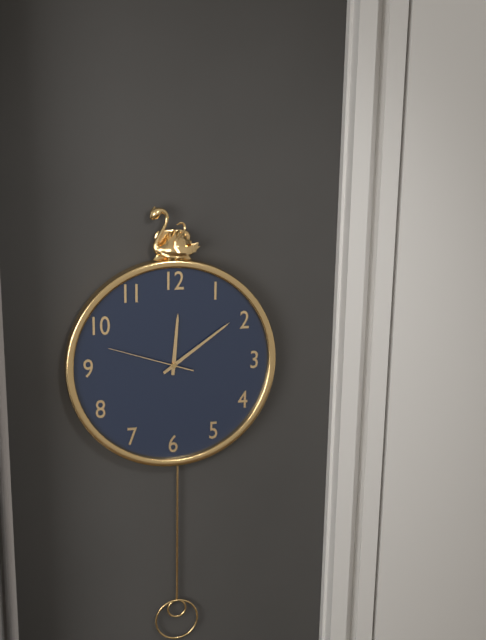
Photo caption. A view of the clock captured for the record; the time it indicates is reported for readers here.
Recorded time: 12:09:48
